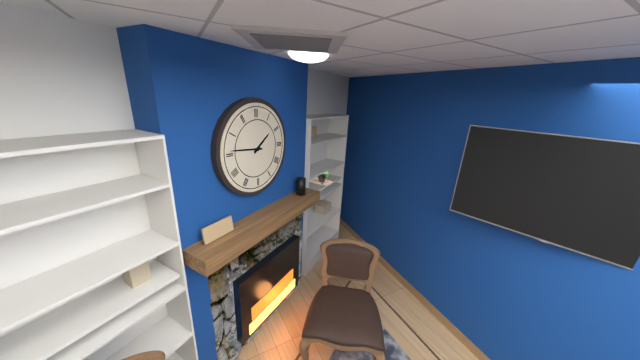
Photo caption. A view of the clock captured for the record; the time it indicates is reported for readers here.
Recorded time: 1:46
